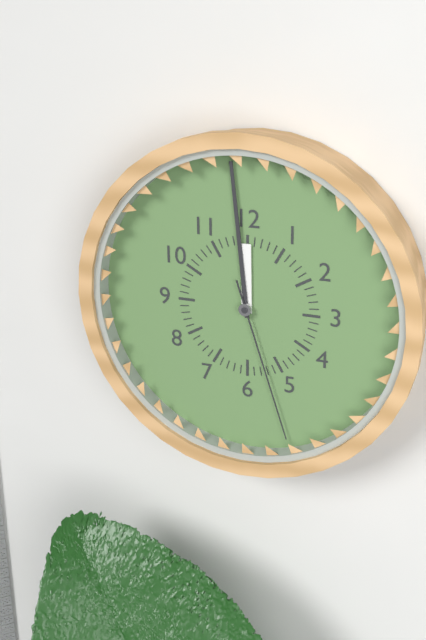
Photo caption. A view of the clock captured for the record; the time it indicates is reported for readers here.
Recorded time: 11:59:27
